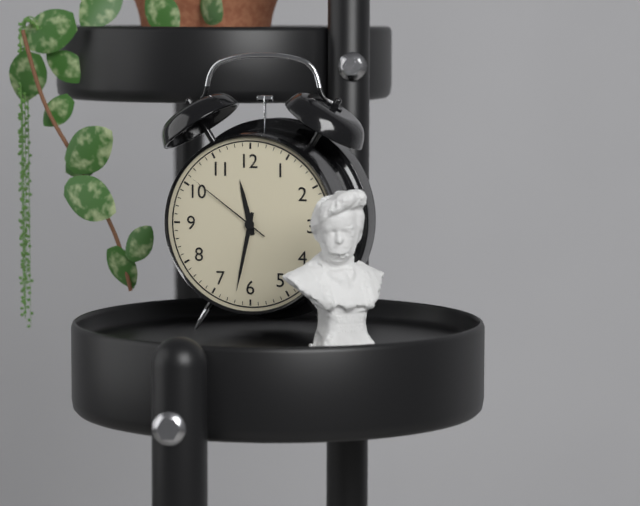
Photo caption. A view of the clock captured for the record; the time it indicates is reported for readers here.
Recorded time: 11:32:51
